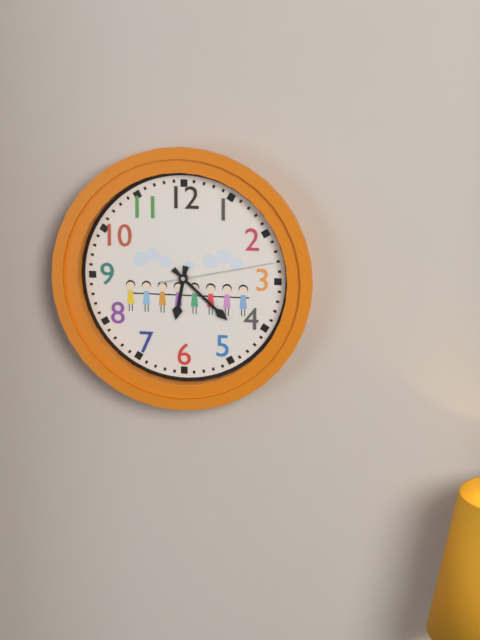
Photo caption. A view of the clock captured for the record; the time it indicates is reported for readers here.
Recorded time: 6:22:13
